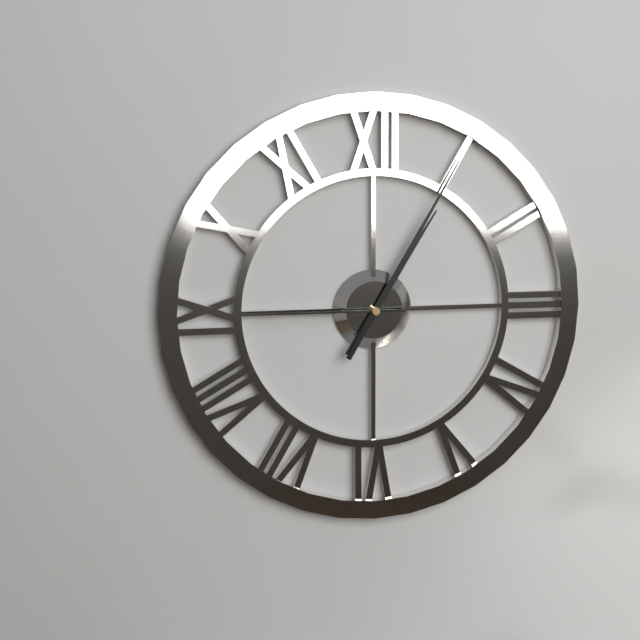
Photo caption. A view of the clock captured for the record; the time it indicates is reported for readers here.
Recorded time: 1:05:45
